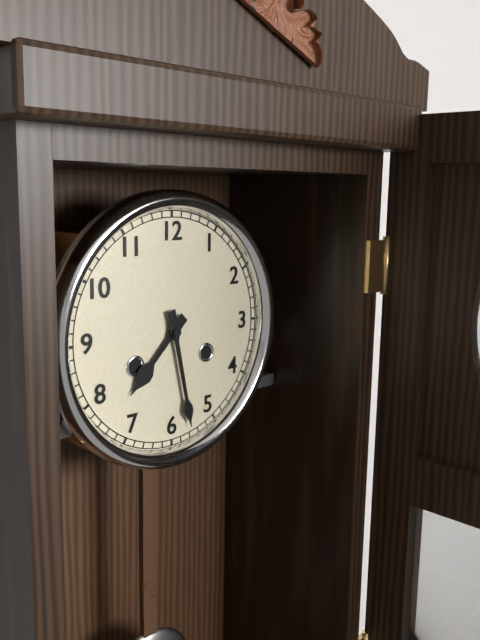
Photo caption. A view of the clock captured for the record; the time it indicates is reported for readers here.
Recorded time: 7:28
